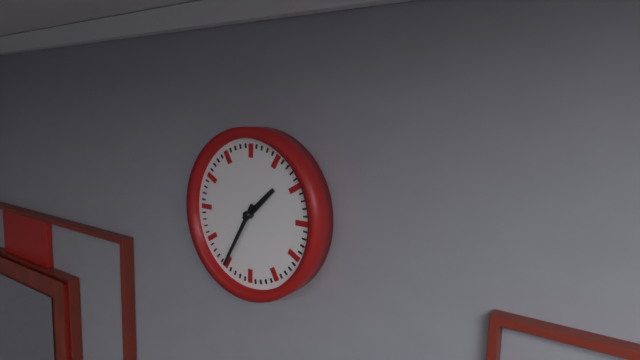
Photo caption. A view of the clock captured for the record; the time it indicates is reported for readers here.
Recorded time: 1:35
